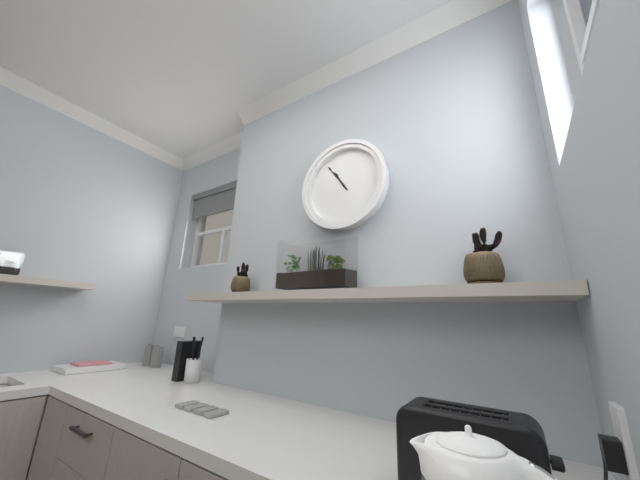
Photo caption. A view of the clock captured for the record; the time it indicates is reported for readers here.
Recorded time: 10:54
